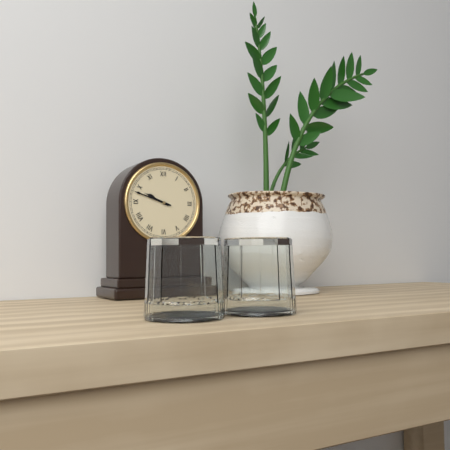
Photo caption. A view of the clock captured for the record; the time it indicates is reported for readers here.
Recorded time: 9:48
